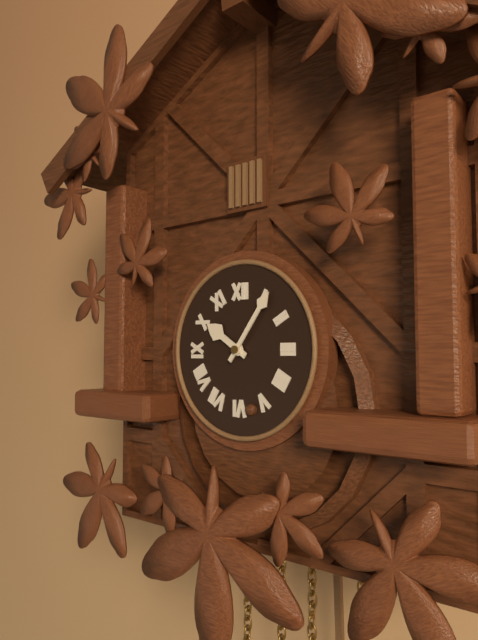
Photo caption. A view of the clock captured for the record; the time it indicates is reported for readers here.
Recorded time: 10:06
